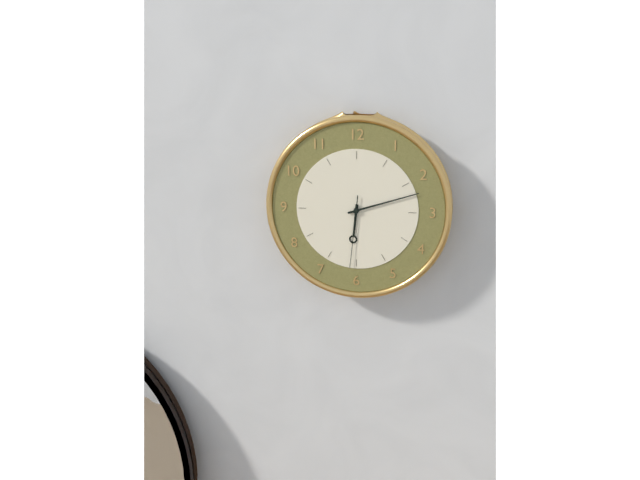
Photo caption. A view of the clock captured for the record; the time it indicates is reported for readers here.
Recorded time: 6:12:31
